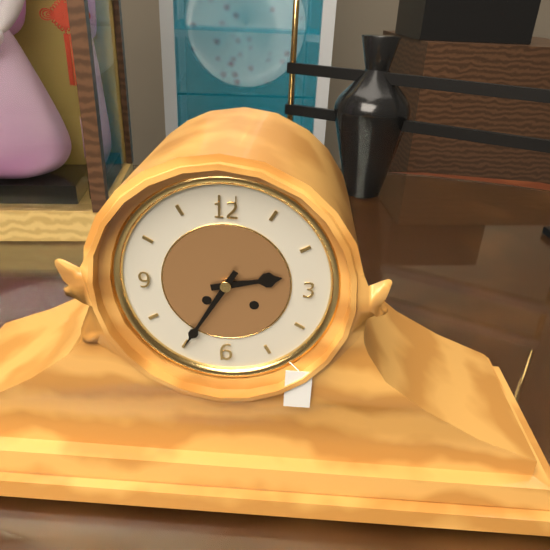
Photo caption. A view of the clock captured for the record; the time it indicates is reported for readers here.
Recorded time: 2:35
